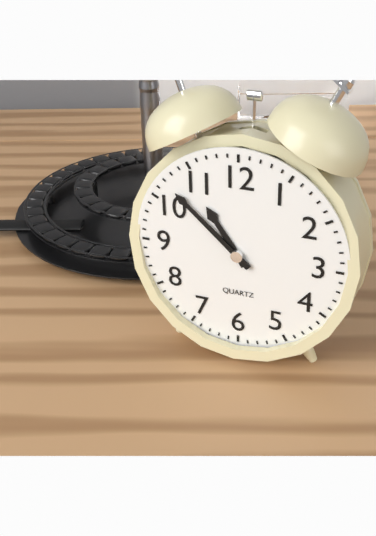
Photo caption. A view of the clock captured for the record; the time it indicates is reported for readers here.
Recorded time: 10:52
